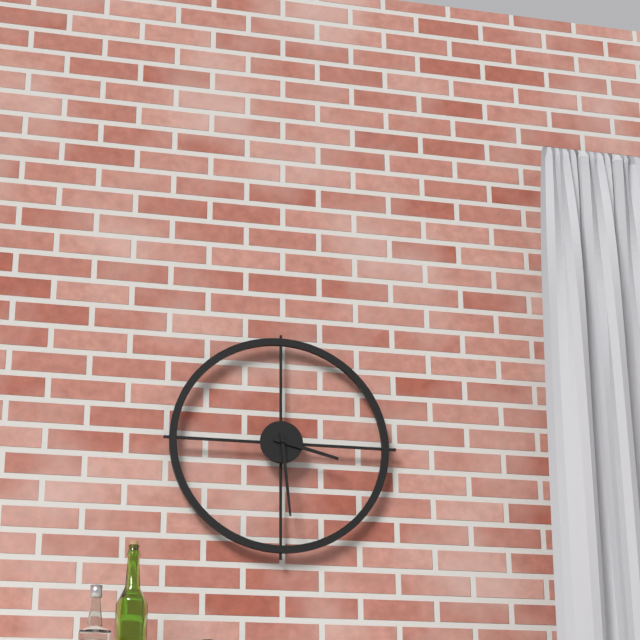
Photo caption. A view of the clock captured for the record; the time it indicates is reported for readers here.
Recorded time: 3:29
